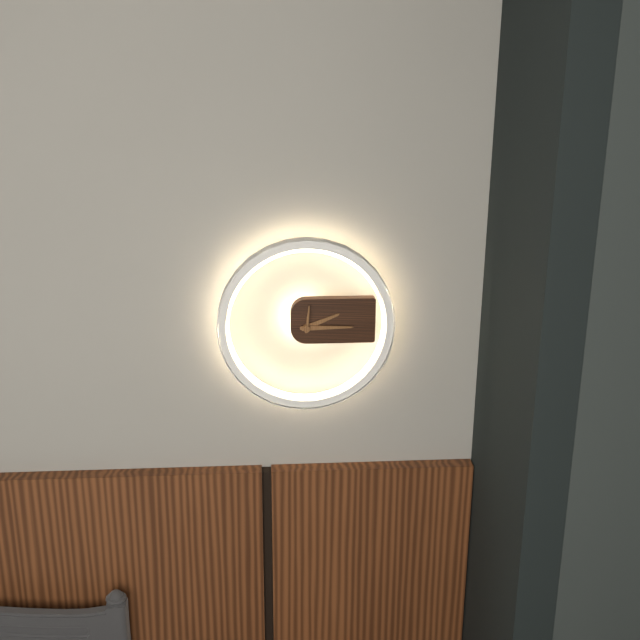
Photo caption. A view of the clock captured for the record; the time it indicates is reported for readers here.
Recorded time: 2:15
